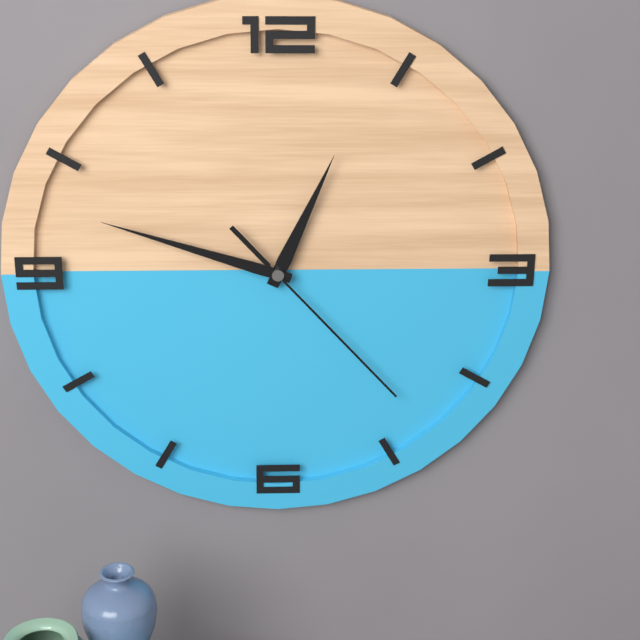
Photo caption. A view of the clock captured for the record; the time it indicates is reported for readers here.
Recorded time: 12:48:23
